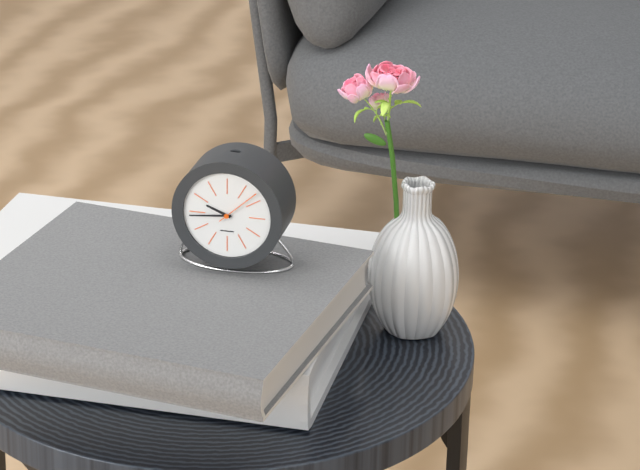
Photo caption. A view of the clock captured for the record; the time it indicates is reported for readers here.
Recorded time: 9:44
